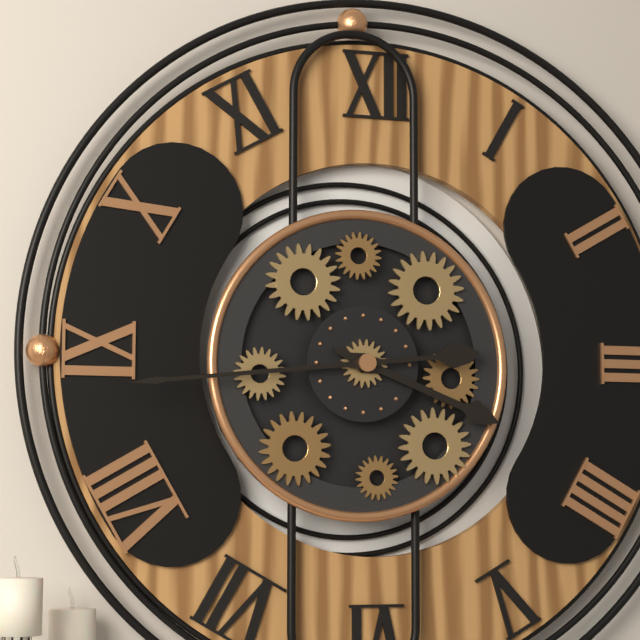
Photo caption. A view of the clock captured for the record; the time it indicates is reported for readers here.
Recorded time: 3:44
